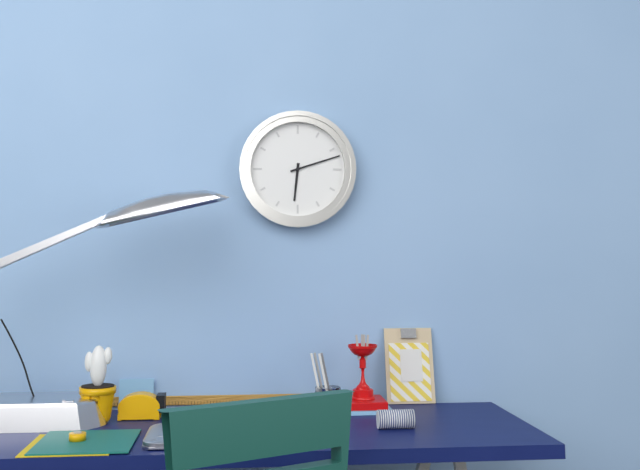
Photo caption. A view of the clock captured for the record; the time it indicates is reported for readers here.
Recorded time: 6:12
